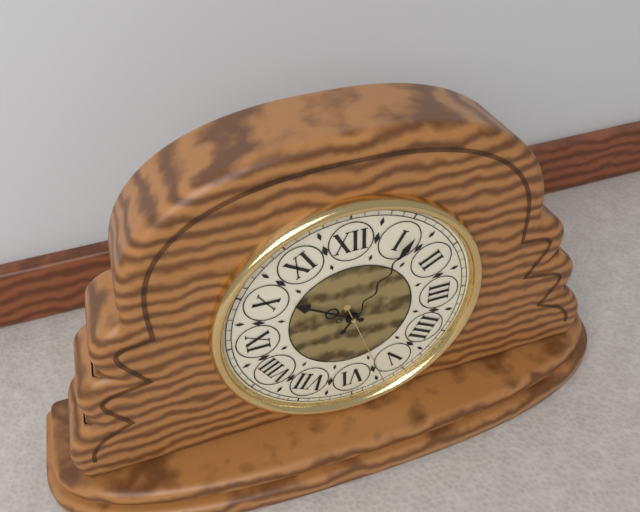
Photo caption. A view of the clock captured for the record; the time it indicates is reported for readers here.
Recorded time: 10:06:27
